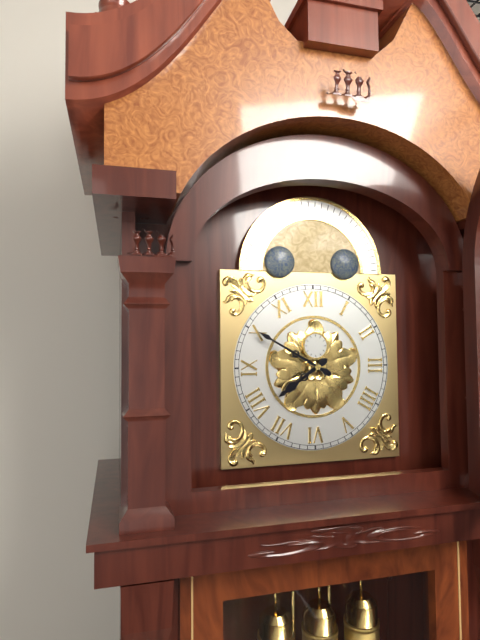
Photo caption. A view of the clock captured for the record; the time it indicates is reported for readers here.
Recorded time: 7:50
